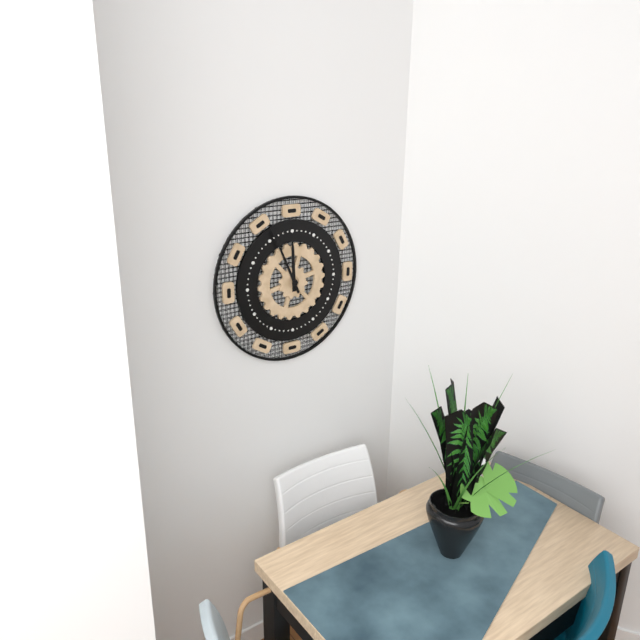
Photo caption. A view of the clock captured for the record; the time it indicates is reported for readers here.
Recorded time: 11:56
